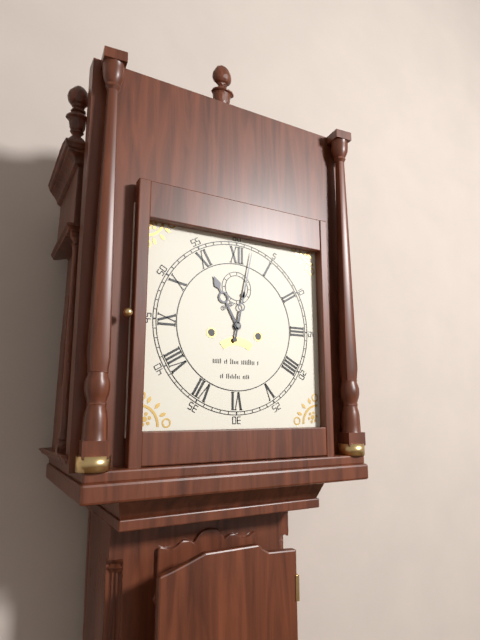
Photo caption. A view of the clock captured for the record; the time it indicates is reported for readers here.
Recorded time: 11:02
